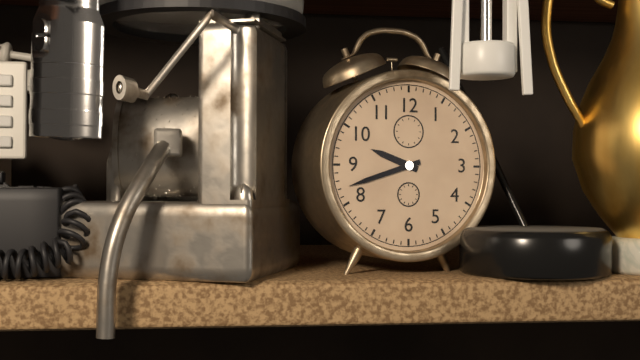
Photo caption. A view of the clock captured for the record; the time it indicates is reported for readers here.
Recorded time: 9:42
